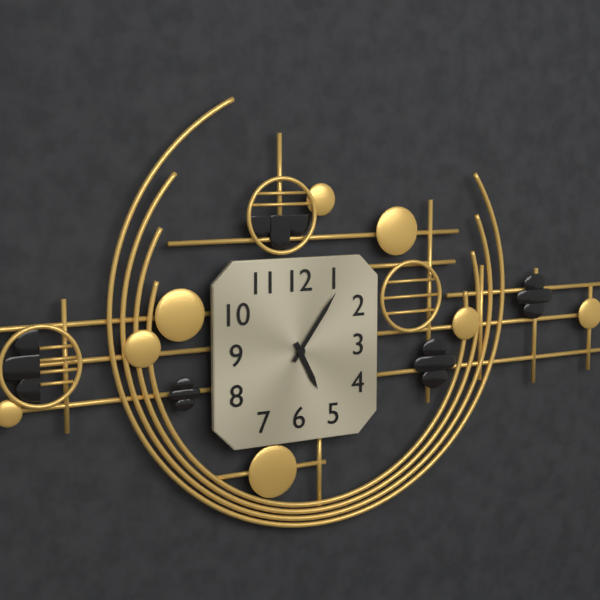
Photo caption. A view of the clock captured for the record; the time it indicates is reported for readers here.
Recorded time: 5:06
